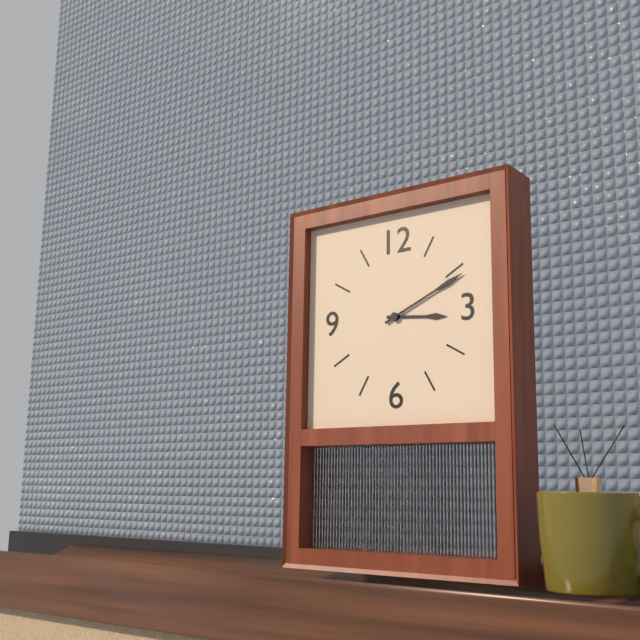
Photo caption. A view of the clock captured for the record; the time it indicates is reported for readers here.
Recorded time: 3:11
